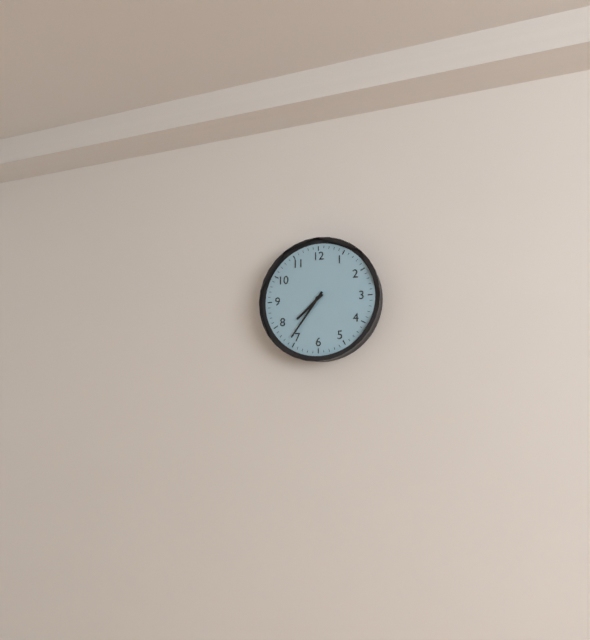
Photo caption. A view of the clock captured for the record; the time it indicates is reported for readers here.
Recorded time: 7:36
